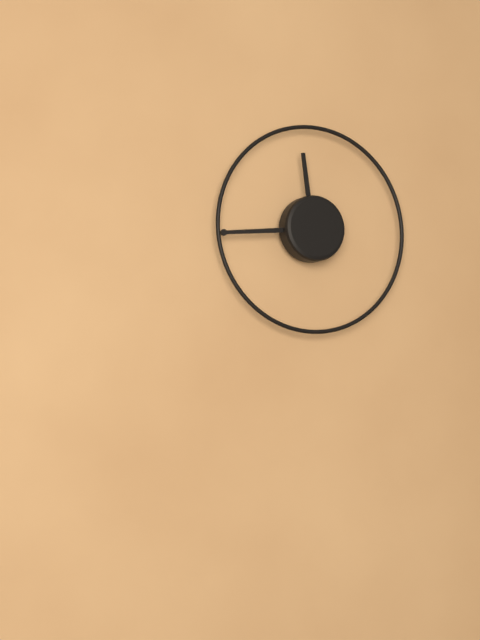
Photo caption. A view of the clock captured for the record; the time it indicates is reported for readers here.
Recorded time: 11:44
